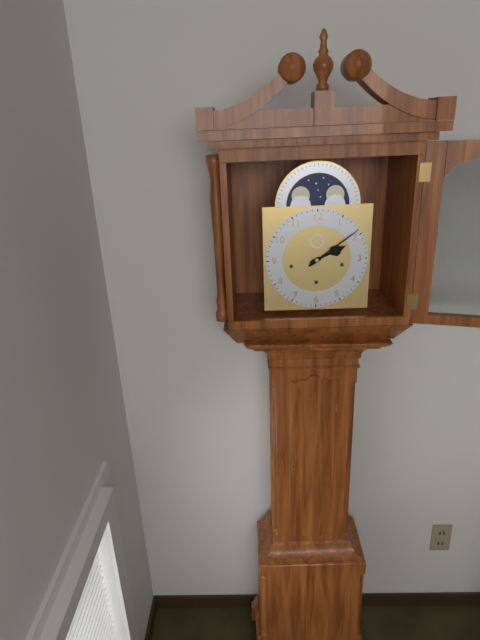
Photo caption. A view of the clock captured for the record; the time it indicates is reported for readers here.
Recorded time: 2:09
